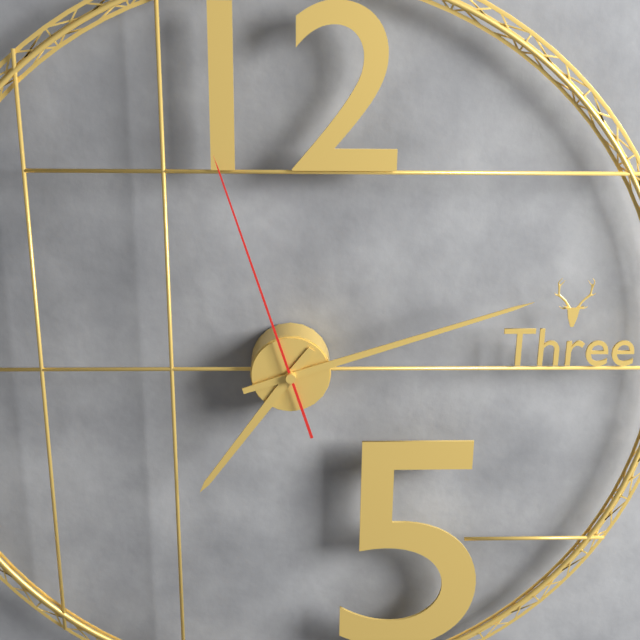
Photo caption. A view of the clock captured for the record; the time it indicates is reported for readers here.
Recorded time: 7:12:57
